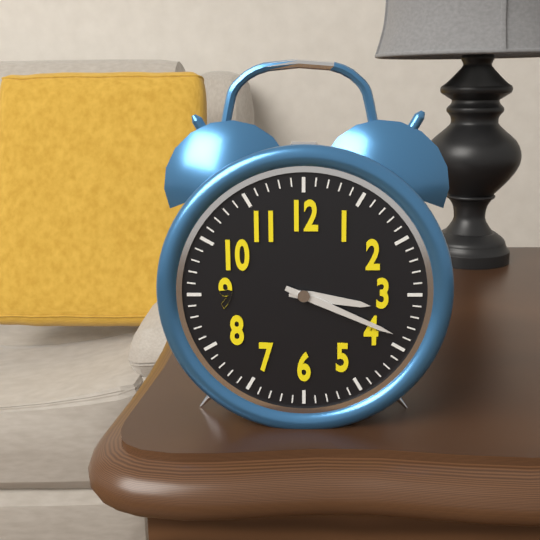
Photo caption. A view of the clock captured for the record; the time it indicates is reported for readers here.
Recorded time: 3:19
